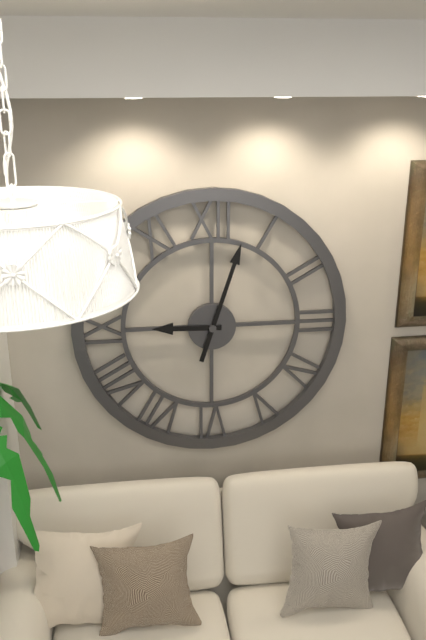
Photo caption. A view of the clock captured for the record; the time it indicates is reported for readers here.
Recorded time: 9:03
